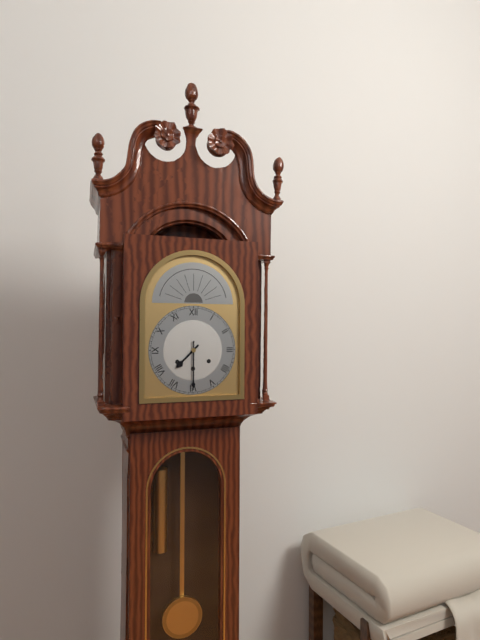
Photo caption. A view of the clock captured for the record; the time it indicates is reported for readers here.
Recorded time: 7:30
